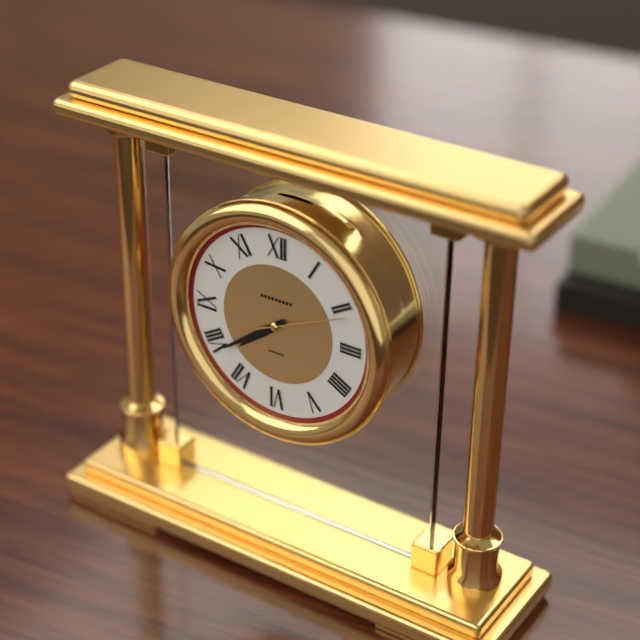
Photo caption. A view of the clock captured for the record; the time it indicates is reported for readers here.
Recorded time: 7:39:11
